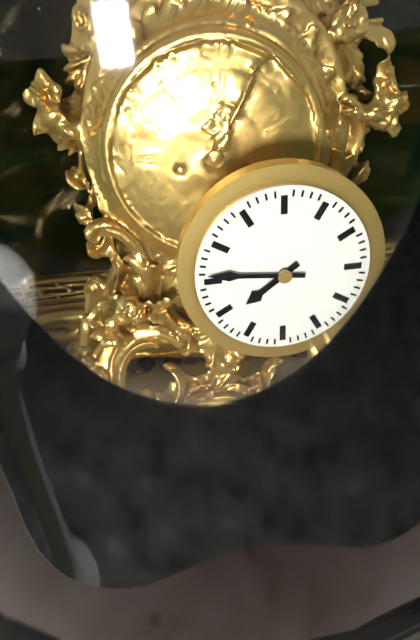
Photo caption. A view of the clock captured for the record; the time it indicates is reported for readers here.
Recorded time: 7:46
